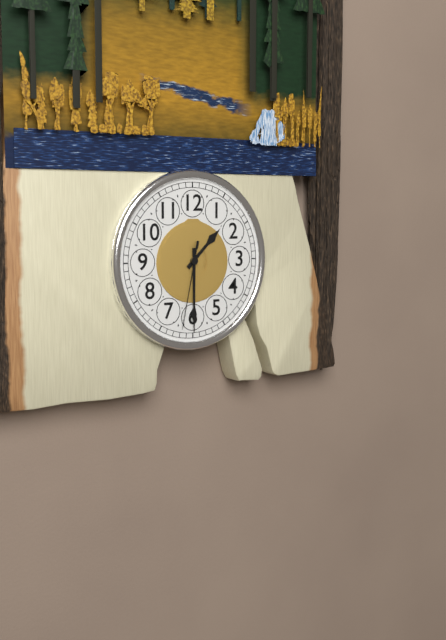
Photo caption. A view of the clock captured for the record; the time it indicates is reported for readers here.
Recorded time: 1:30:32
